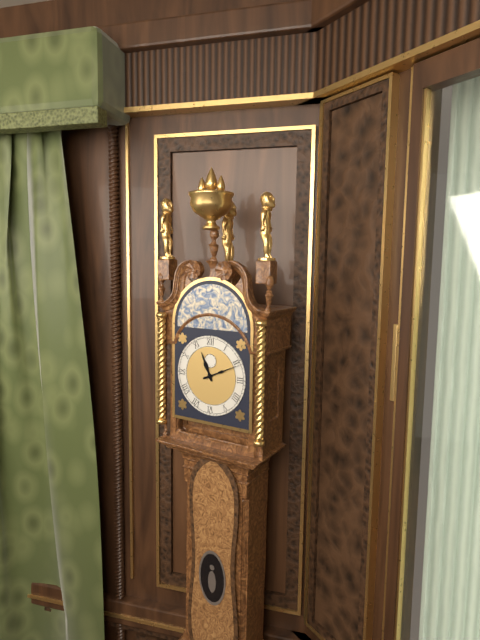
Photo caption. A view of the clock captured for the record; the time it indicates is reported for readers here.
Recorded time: 11:11
